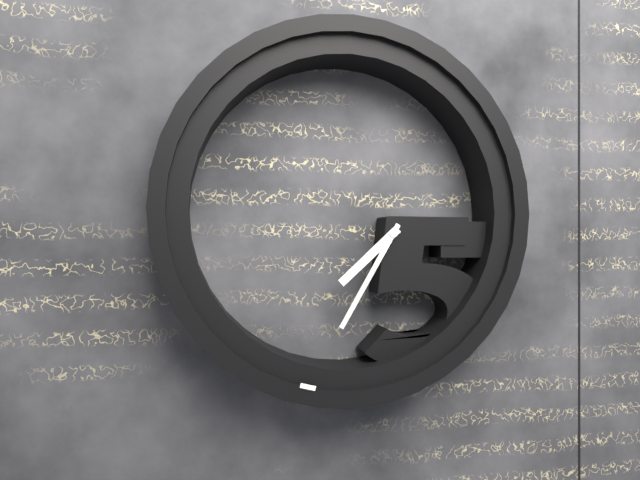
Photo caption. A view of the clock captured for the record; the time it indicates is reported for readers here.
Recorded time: 7:35
